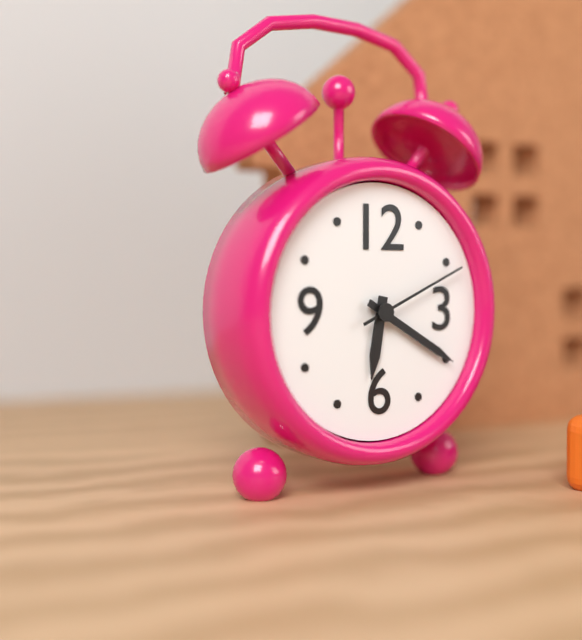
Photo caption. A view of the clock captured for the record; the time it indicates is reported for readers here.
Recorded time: 6:20:11
